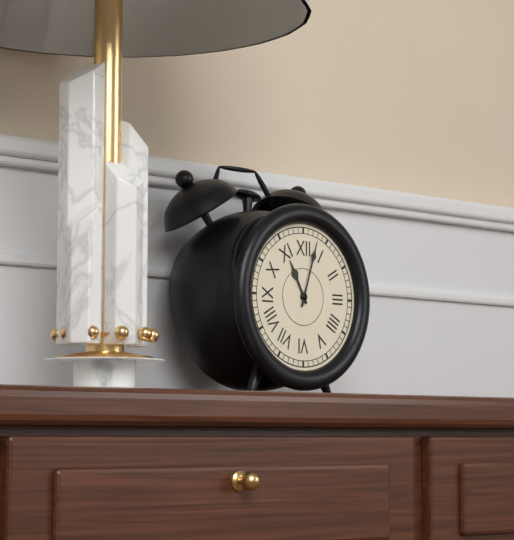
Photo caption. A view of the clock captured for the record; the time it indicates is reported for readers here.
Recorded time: 11:03
